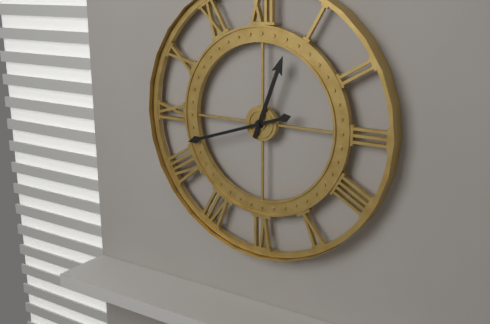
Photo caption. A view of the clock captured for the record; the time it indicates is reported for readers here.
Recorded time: 12:42
